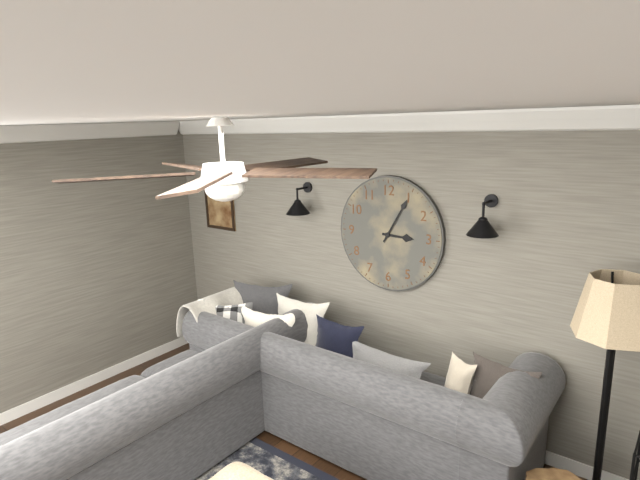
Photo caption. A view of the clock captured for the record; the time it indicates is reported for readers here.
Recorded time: 3:05
